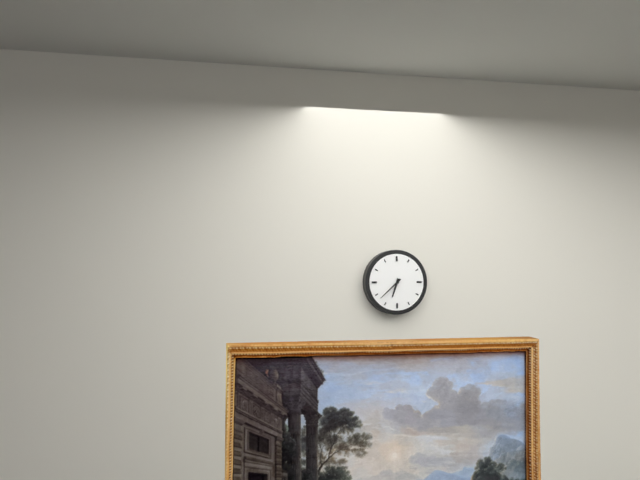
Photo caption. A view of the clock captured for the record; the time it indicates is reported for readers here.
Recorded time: 6:38
